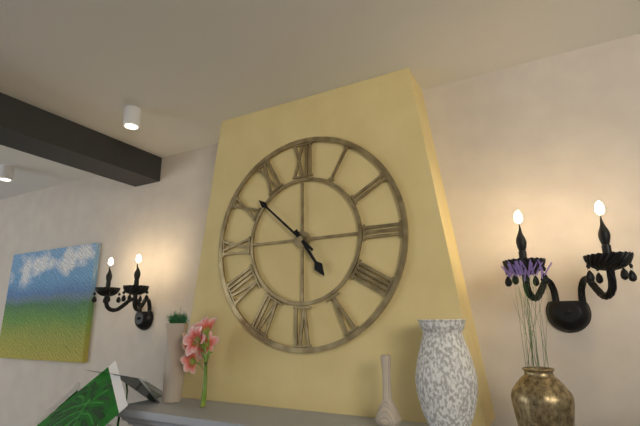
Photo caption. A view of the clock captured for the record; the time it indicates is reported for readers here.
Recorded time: 4:52
